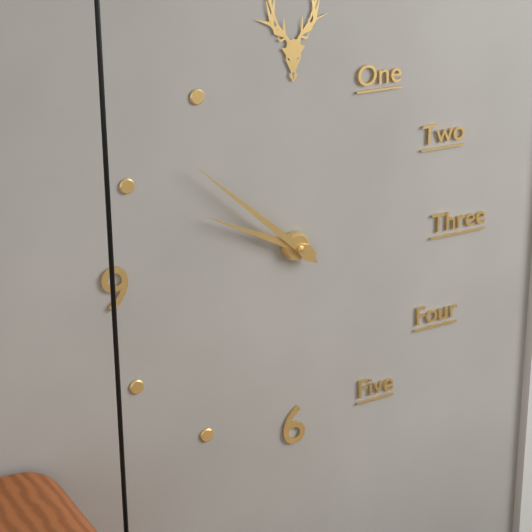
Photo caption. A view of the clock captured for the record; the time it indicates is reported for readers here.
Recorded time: 9:52
